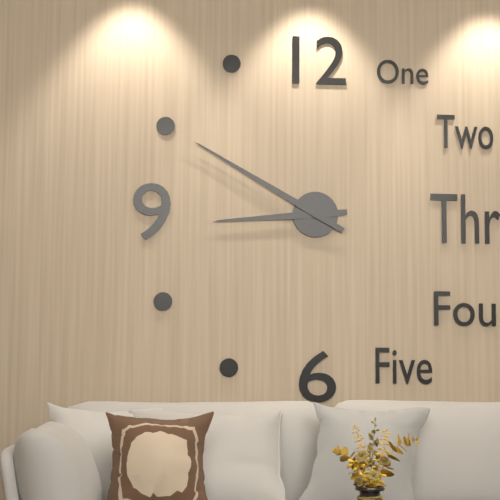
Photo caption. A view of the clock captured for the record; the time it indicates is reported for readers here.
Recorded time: 8:50
